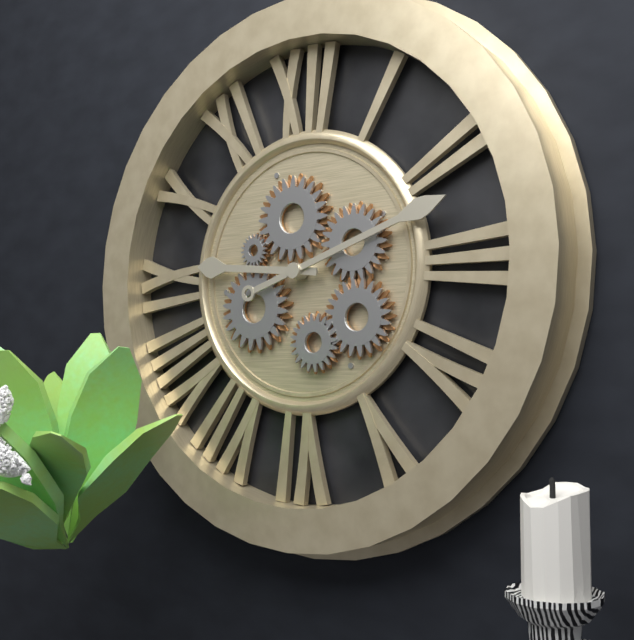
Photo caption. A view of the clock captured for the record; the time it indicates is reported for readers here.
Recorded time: 9:12
